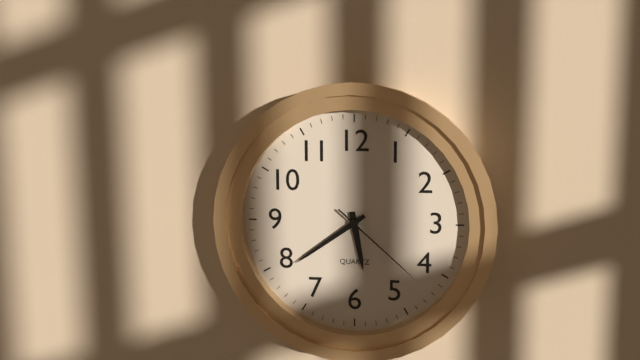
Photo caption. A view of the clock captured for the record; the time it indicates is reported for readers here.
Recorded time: 5:39:22
